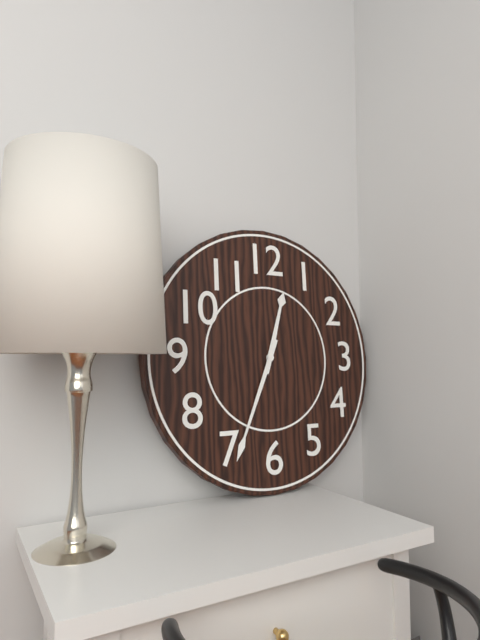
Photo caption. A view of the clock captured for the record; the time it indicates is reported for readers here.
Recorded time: 12:34
